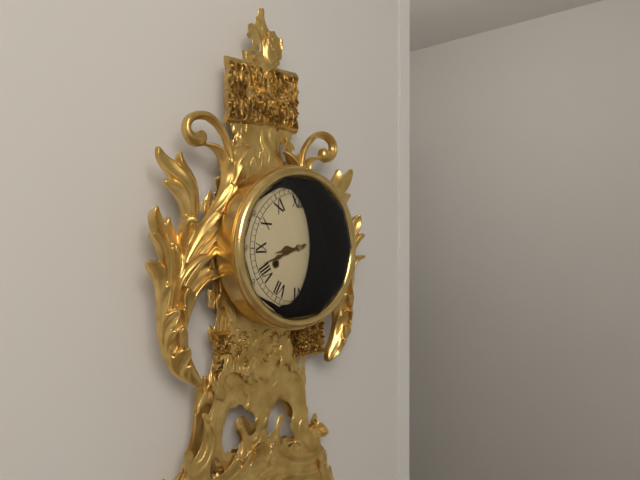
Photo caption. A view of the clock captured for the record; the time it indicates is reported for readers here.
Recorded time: 8:42
